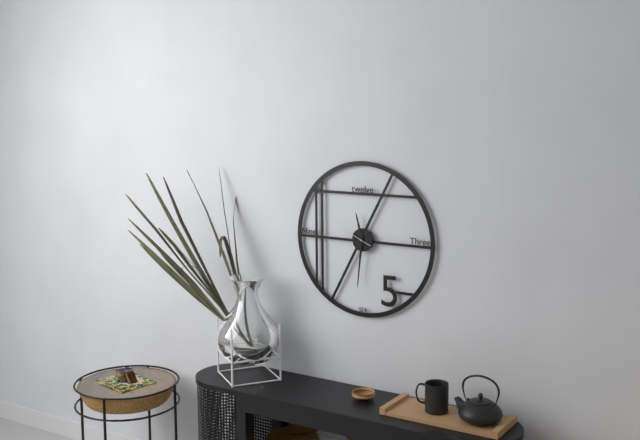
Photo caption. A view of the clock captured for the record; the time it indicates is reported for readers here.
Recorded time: 11:31
